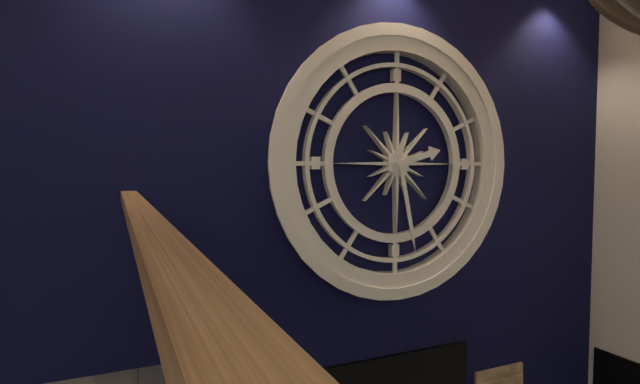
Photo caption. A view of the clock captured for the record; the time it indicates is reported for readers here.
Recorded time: 2:28
